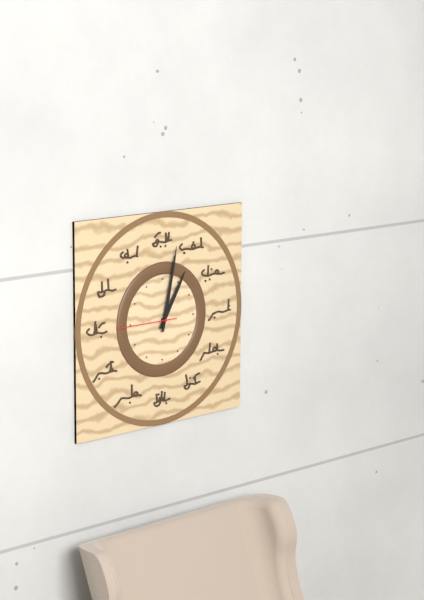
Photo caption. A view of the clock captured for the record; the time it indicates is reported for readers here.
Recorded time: 1:02:45
